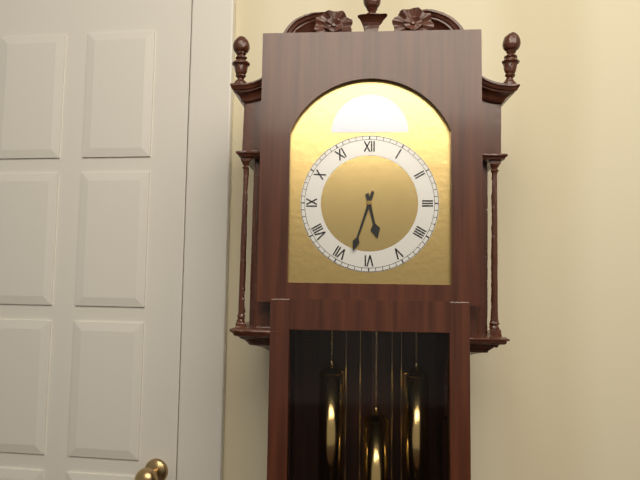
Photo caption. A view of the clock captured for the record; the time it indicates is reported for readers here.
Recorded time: 5:33
